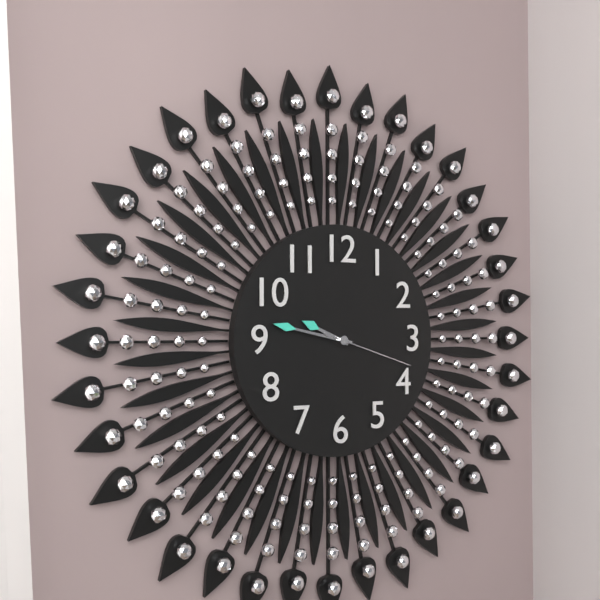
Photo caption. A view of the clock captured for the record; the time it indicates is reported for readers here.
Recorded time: 9:47:18
